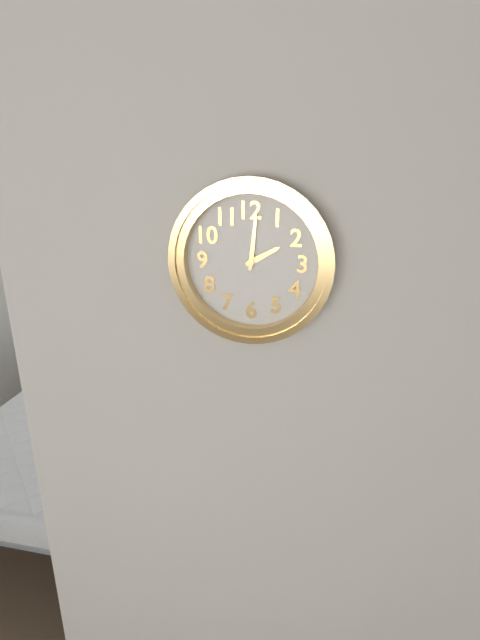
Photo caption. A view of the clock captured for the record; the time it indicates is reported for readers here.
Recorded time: 2:01
